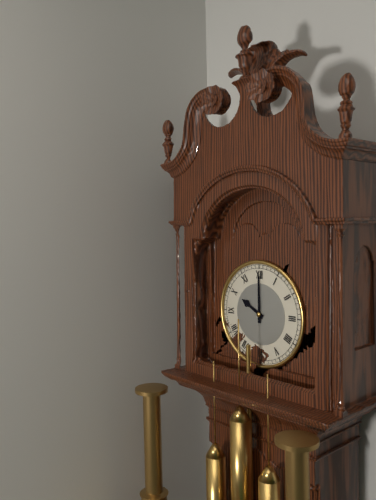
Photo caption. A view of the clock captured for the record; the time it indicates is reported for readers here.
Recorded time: 10:00
